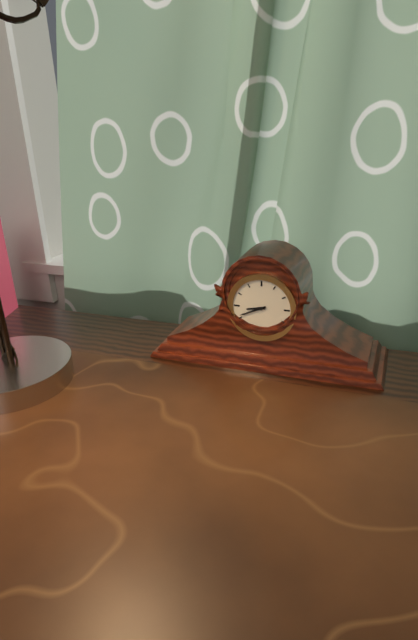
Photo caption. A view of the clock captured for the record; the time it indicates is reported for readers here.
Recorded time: 8:41
